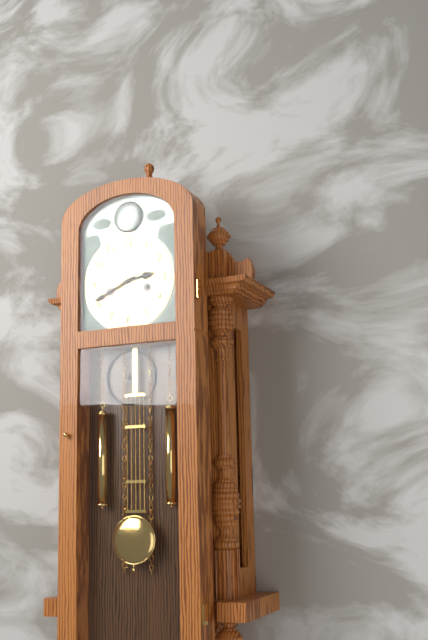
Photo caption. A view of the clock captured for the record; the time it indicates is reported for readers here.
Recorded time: 2:41
